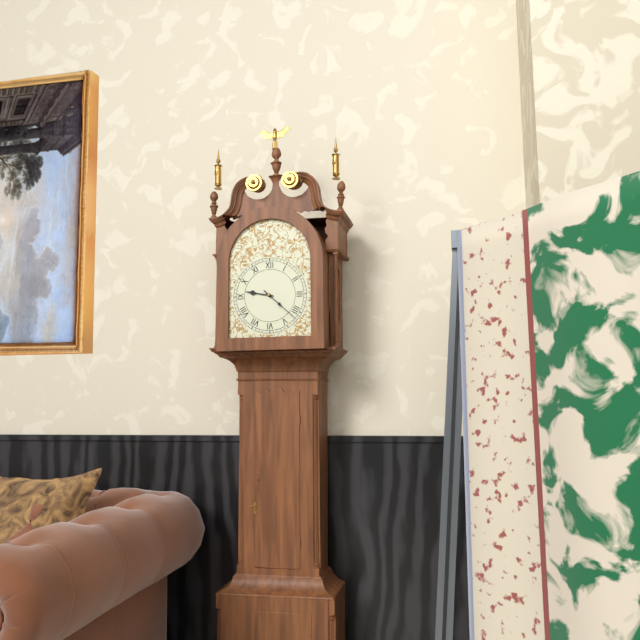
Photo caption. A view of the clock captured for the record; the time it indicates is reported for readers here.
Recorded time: 9:22
